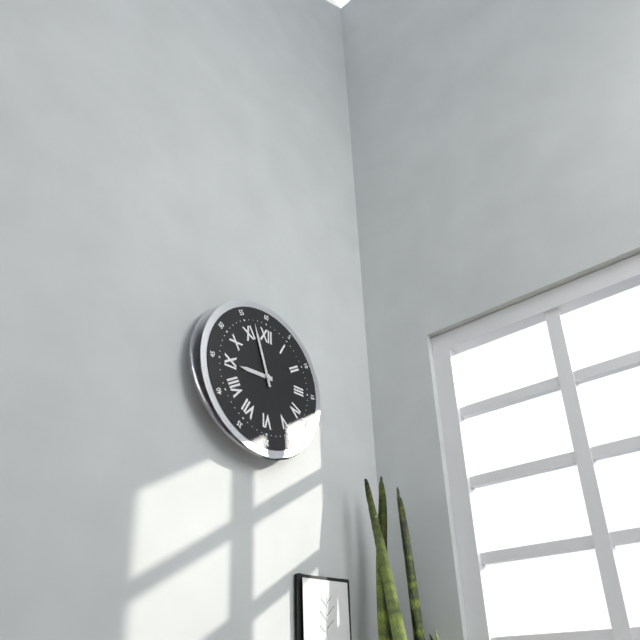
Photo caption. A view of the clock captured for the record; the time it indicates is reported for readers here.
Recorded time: 8:57
